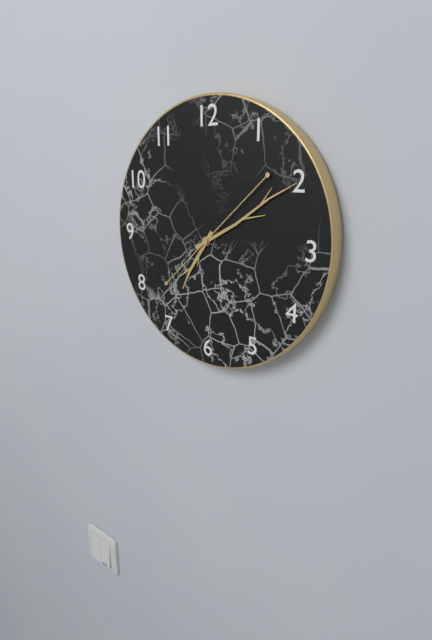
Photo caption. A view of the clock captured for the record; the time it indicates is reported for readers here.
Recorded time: 7:10:08
